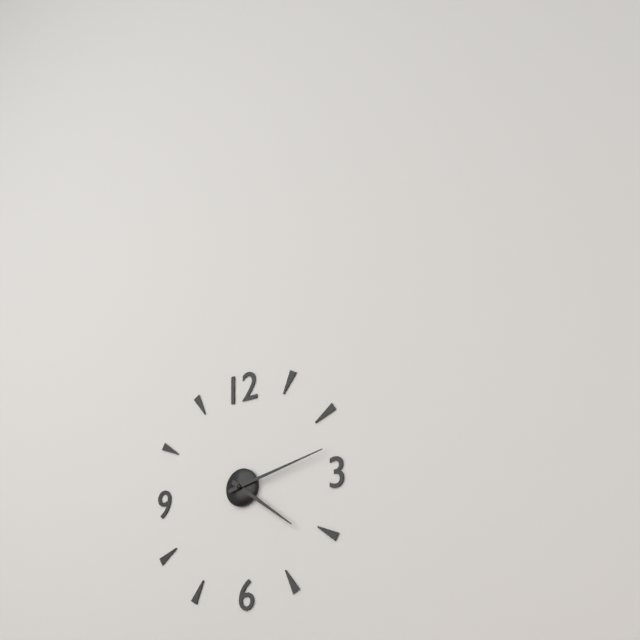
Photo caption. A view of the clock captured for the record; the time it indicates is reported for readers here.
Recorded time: 4:13
